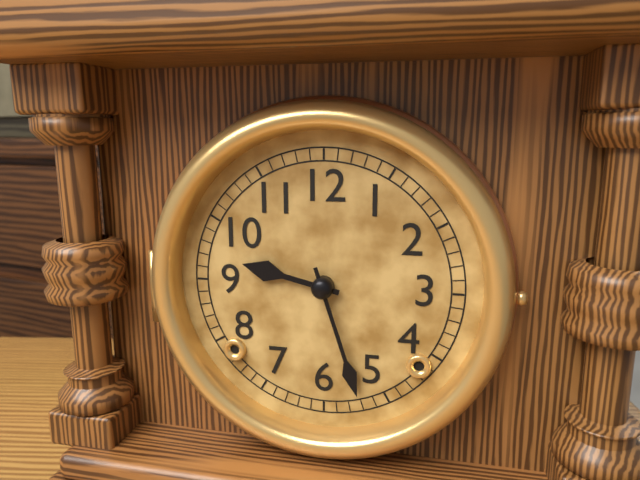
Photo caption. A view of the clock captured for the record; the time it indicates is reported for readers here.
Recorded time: 9:27
